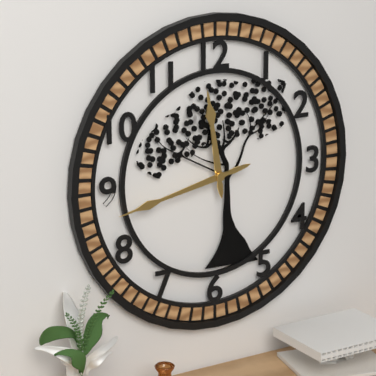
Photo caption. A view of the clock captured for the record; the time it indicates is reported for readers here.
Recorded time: 11:43
